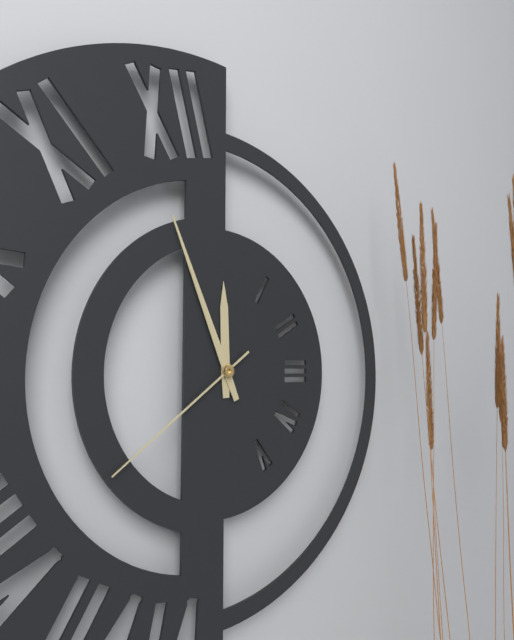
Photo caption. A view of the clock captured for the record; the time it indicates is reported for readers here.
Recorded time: 11:56:39
